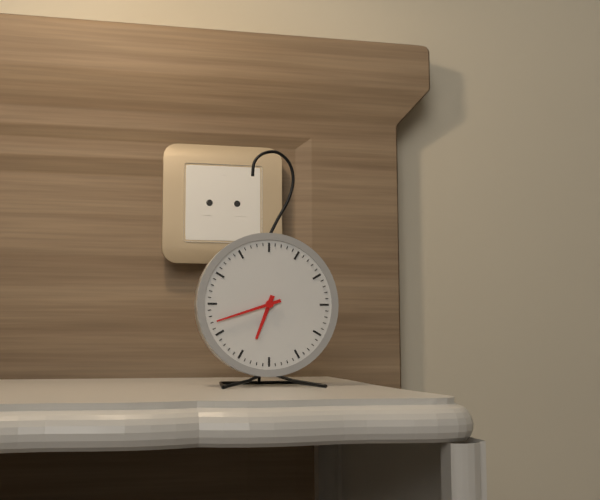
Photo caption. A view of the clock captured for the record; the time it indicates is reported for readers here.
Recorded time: 6:42
